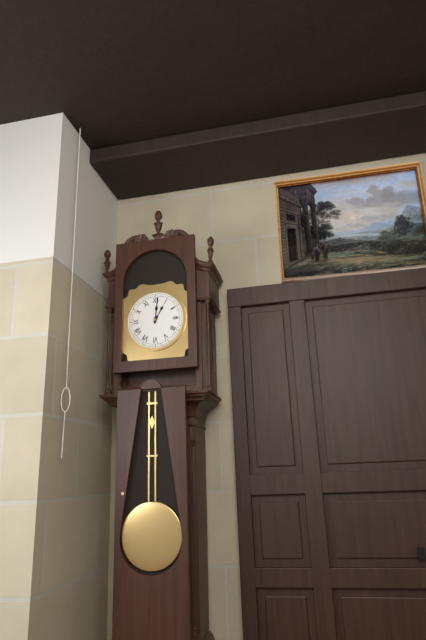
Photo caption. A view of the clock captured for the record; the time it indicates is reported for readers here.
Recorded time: 1:01
